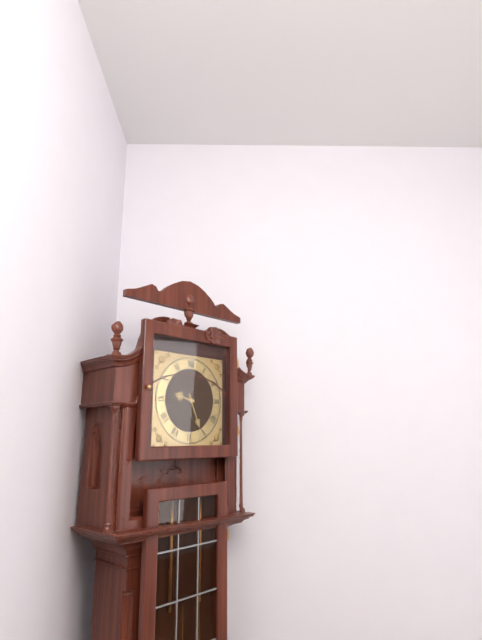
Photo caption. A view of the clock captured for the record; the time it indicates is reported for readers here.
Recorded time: 9:26
